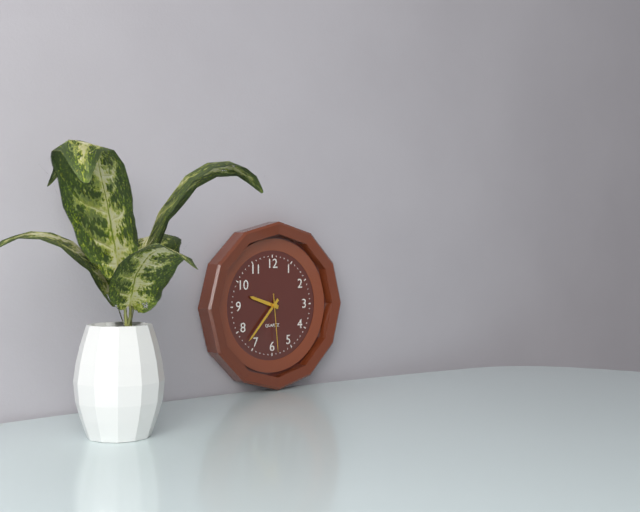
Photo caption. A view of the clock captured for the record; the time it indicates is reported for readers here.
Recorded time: 9:37:29
